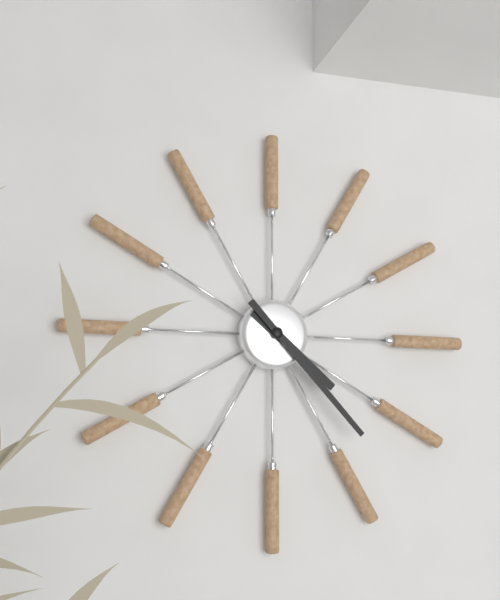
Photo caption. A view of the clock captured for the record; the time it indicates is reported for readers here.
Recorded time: 4:23
